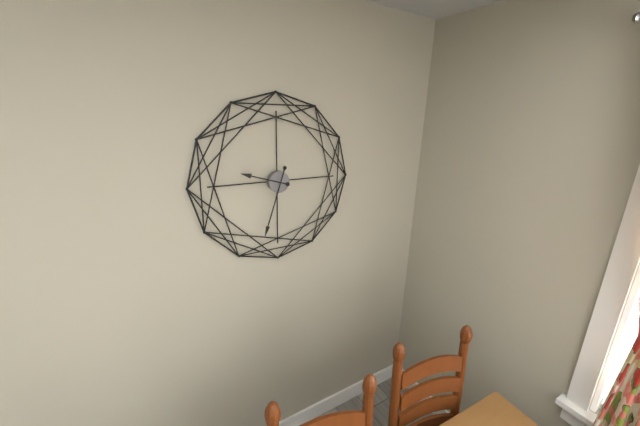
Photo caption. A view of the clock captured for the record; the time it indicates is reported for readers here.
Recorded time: 9:33
